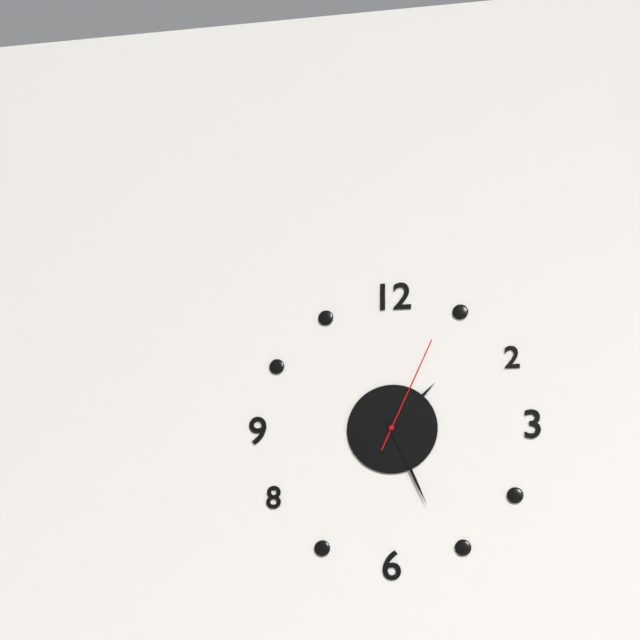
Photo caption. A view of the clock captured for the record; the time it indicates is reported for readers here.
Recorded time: 1:26:04
